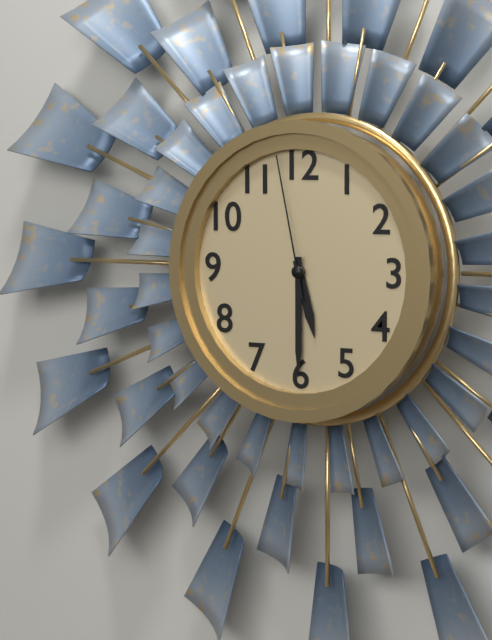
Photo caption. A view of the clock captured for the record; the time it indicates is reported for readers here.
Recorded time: 5:30:58
